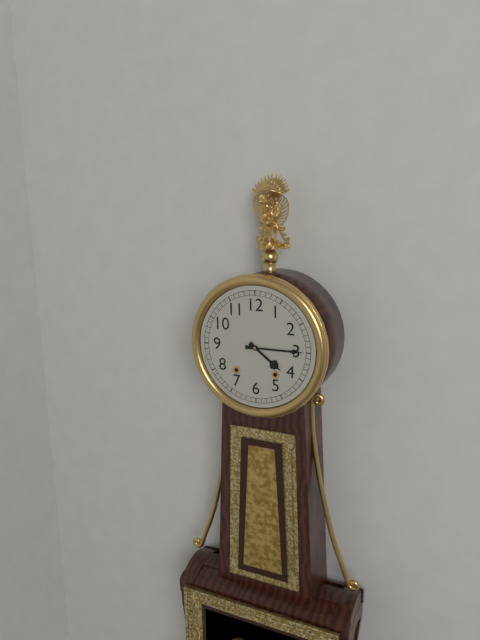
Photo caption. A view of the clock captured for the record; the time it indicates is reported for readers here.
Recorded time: 4:15
